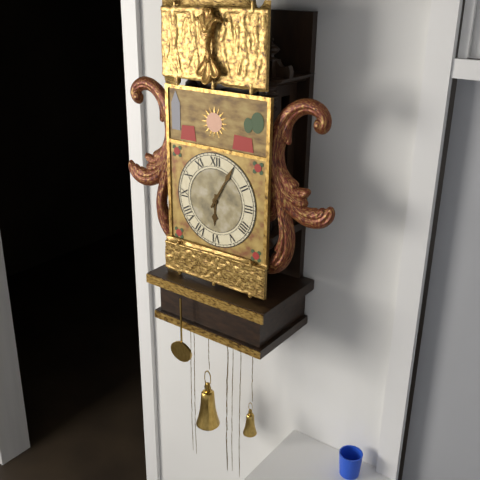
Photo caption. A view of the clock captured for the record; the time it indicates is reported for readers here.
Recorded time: 6:05
